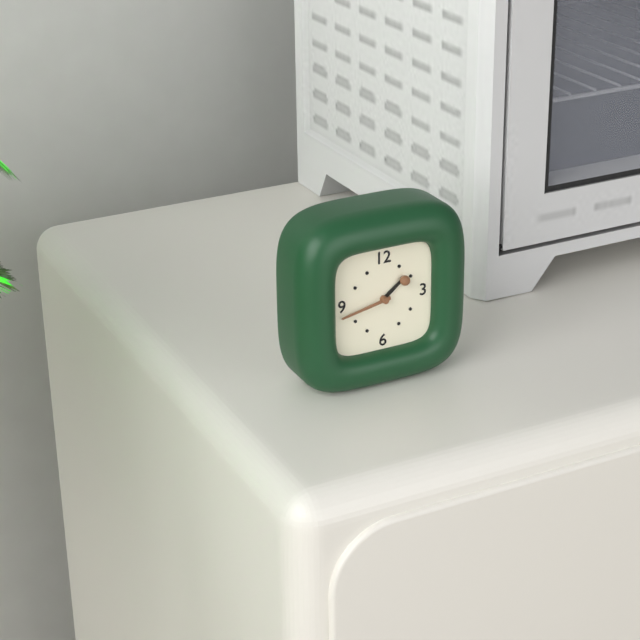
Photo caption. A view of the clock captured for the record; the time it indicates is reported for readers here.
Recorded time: 1:43
